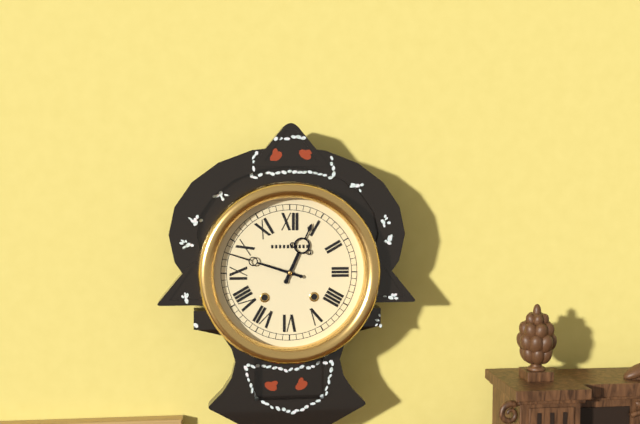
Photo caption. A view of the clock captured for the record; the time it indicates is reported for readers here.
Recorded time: 12:48
